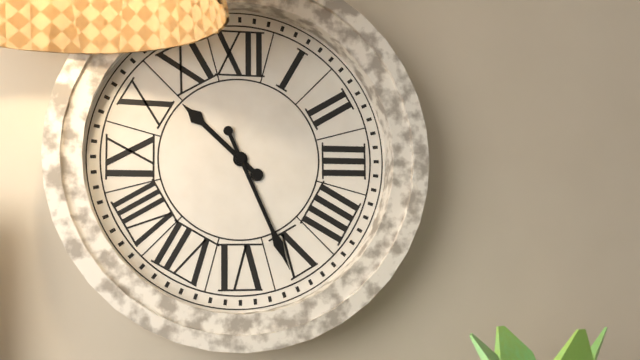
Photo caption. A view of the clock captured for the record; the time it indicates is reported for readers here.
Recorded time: 10:26
